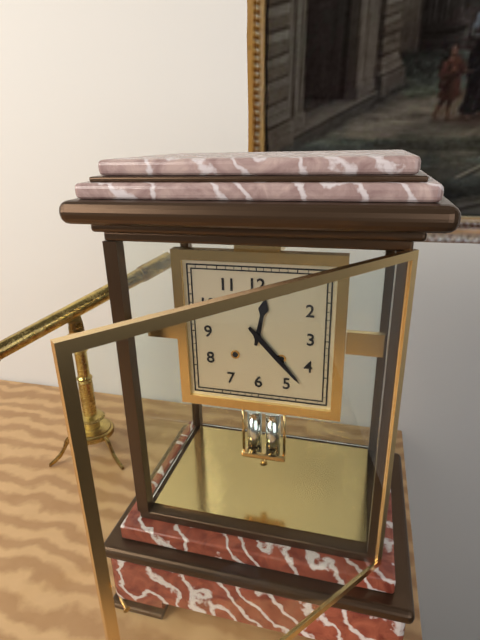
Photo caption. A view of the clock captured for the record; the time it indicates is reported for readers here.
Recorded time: 12:23
